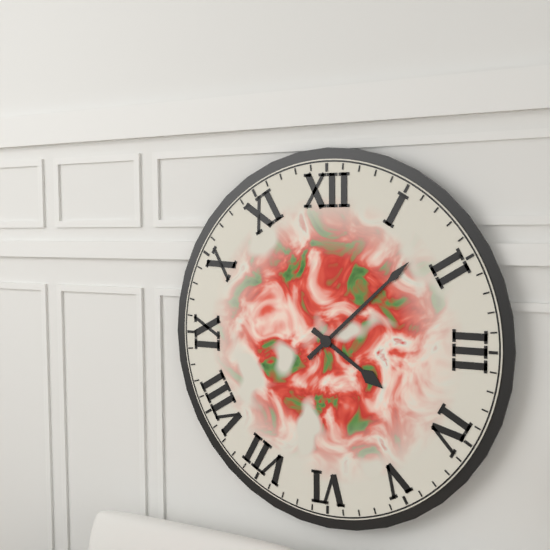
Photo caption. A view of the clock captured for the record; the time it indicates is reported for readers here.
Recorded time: 4:08
